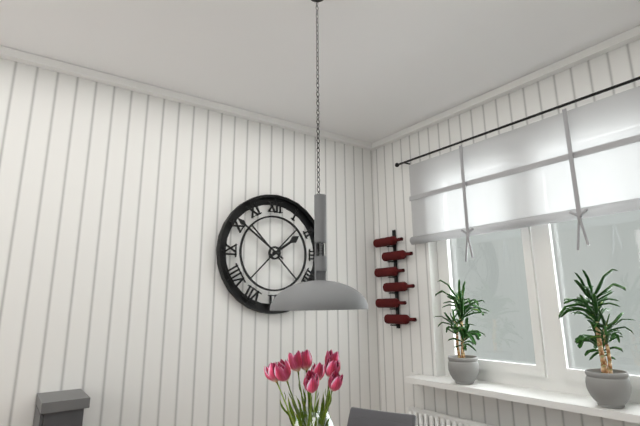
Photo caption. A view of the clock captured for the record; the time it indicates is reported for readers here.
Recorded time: 1:51
